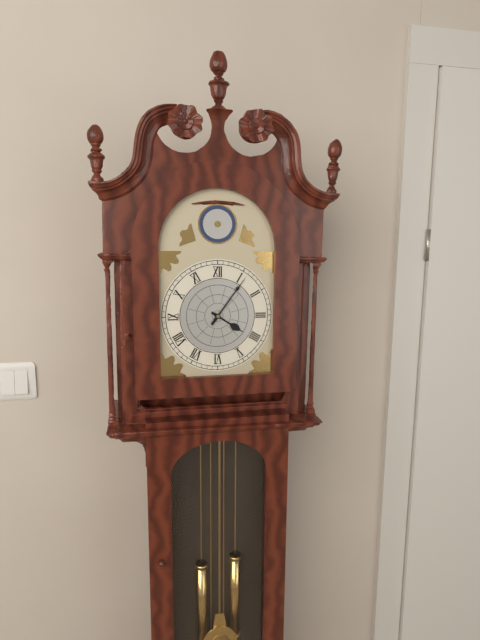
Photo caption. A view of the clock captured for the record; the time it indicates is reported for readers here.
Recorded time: 4:06
